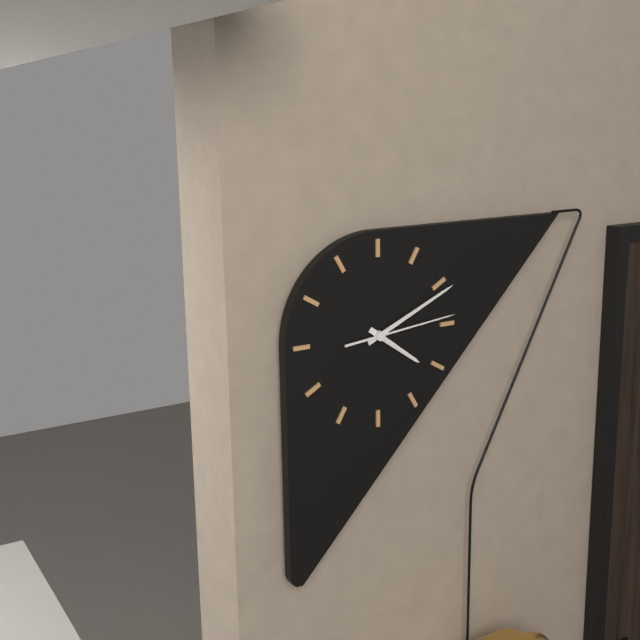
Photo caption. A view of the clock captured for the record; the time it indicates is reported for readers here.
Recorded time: 4:11:14
